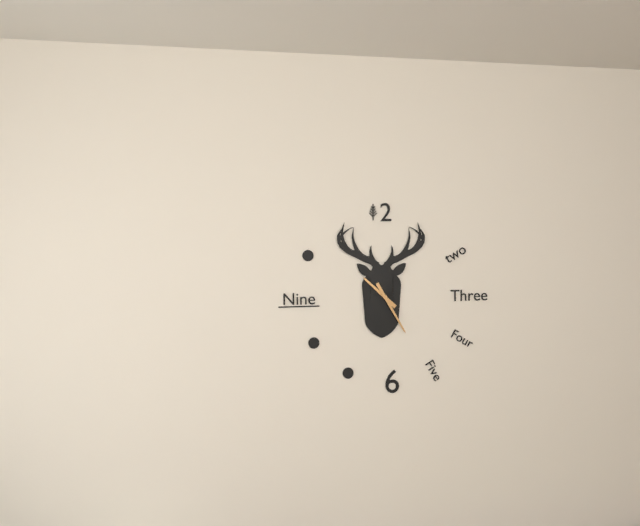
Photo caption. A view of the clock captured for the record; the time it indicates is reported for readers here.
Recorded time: 10:25
